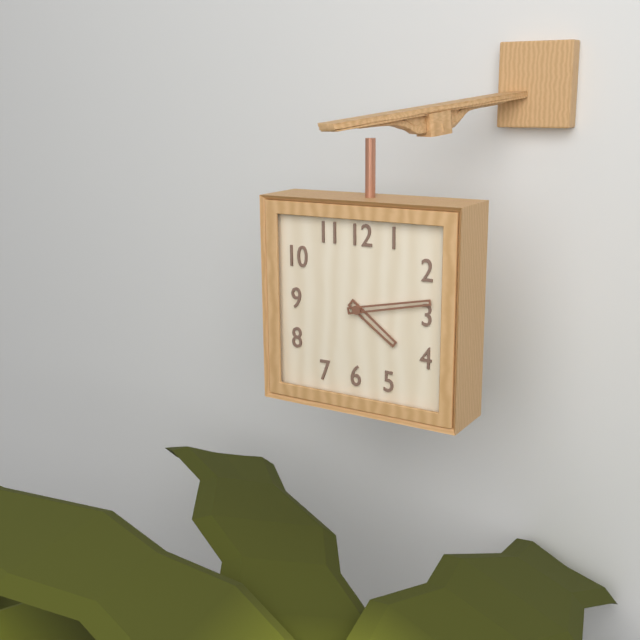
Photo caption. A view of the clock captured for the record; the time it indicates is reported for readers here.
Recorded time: 4:13
